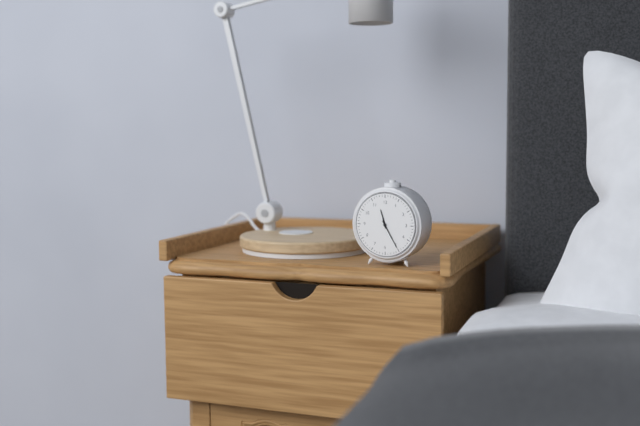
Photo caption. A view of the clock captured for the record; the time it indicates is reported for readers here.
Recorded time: 11:25
